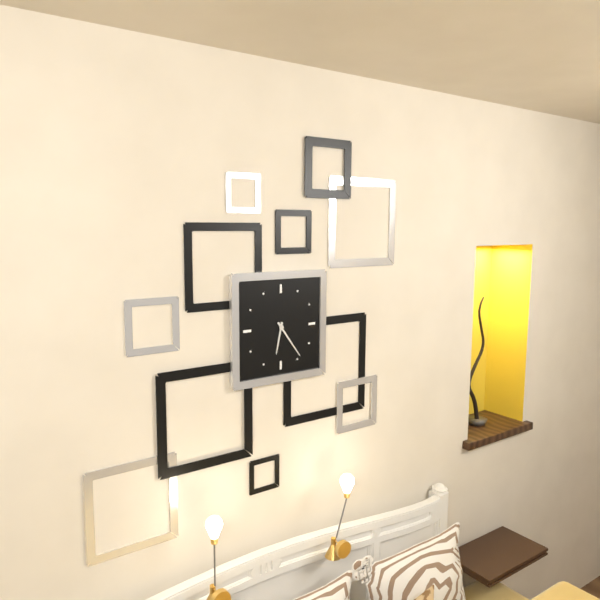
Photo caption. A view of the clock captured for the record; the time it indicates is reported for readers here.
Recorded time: 6:24
